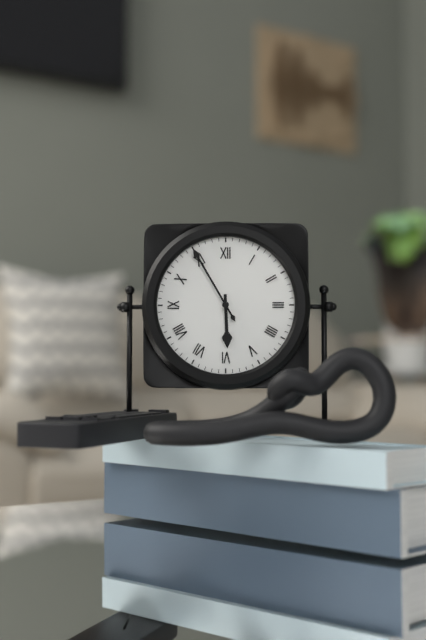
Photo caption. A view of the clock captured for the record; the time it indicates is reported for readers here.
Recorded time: 5:55
